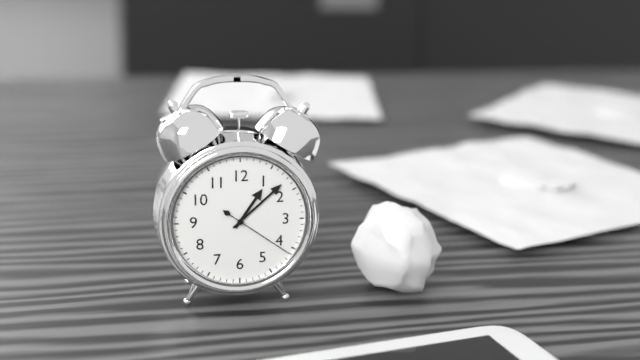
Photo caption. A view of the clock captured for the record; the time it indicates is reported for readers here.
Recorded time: 1:08:21
